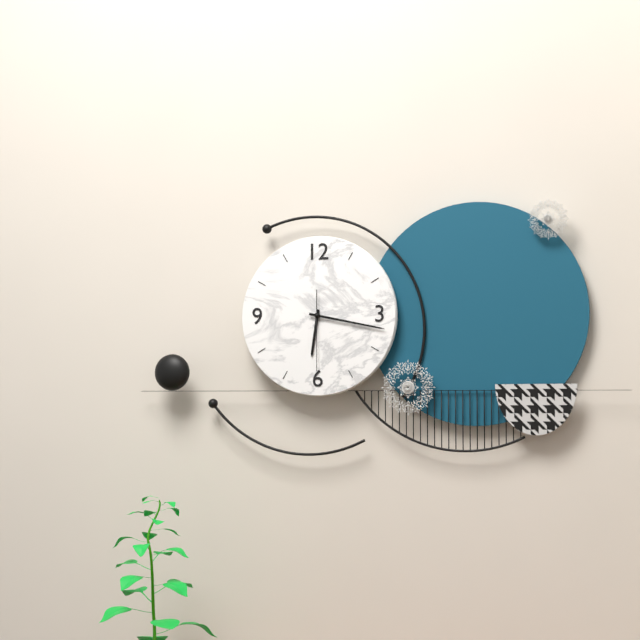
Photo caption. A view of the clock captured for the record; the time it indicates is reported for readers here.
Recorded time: 6:17:30
